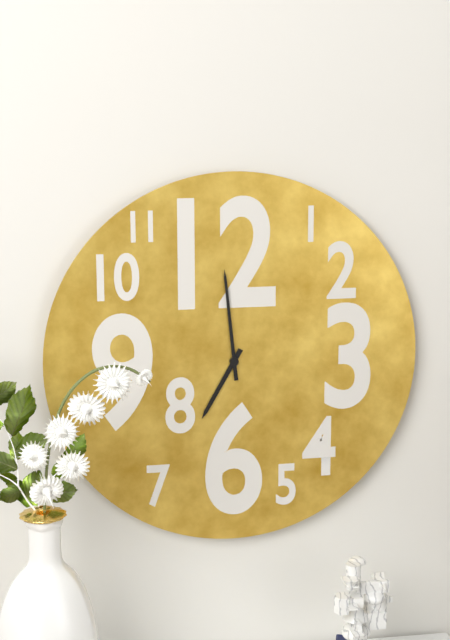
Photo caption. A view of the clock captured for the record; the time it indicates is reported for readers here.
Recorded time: 6:59
